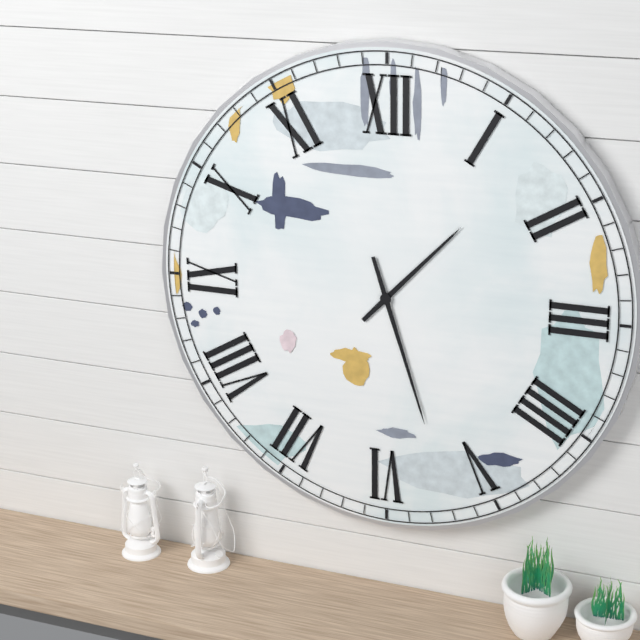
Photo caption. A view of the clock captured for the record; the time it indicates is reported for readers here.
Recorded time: 1:27
